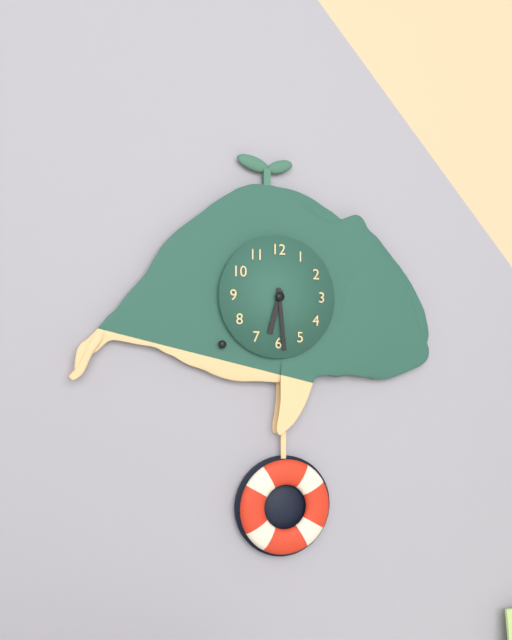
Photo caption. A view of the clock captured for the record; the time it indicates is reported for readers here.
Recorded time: 6:29
